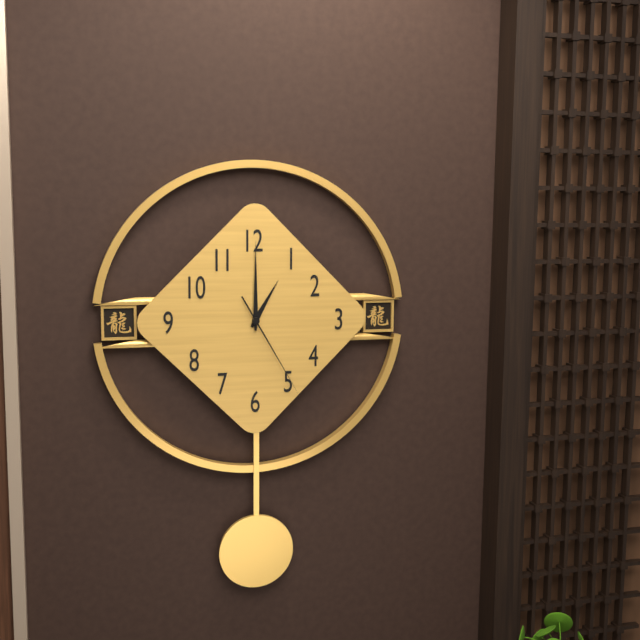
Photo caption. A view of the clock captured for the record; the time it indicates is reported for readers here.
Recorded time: 1:00:25
